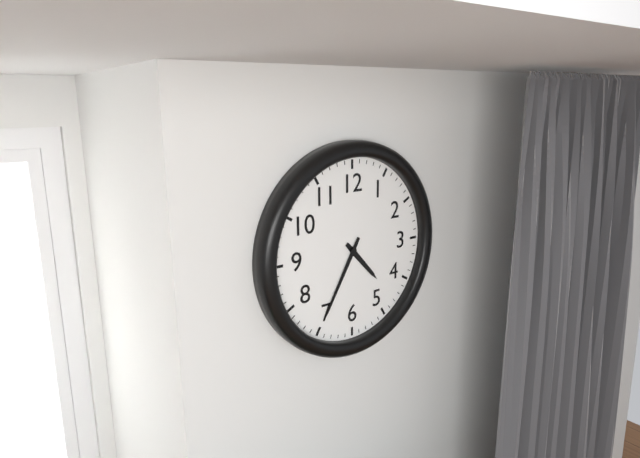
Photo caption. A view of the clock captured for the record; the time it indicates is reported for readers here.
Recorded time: 4:35
